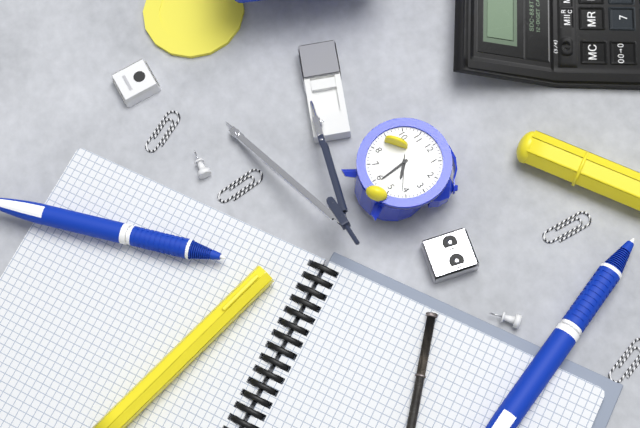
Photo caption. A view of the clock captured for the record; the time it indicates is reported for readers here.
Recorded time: 4:29
